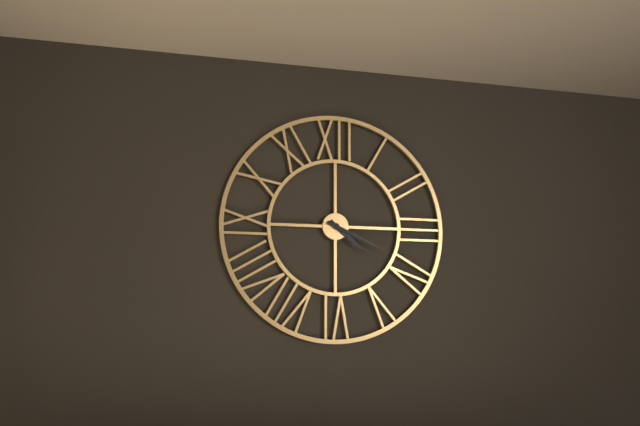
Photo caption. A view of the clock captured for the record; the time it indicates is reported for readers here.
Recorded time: 4:19
